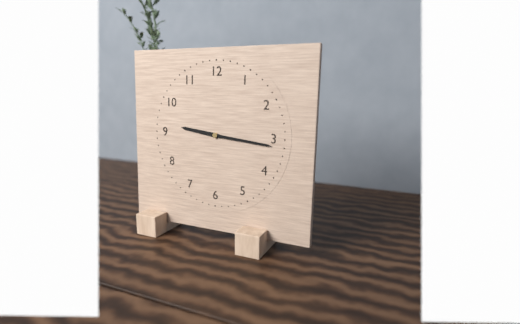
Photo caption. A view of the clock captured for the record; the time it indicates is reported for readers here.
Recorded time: 9:16
